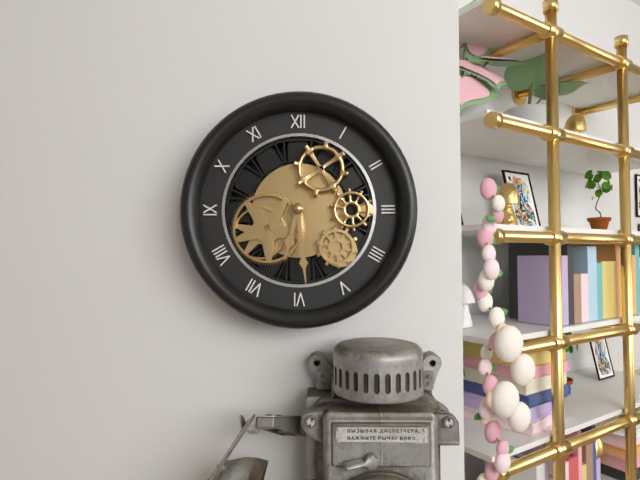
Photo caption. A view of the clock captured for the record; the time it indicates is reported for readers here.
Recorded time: 6:29
